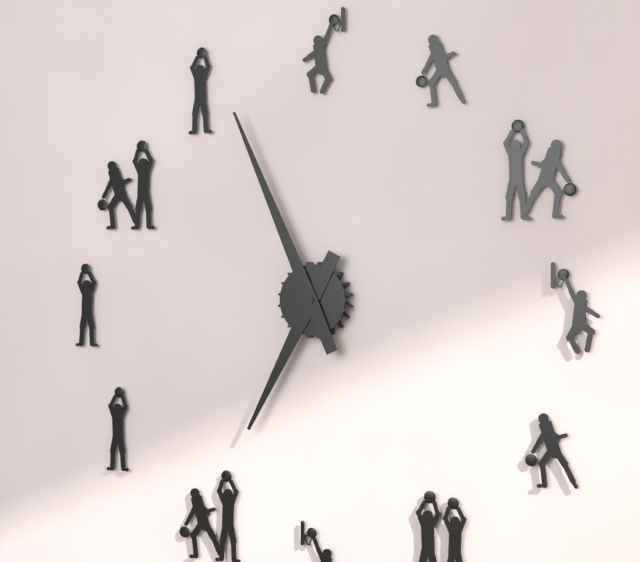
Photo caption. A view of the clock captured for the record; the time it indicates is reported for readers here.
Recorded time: 6:56
